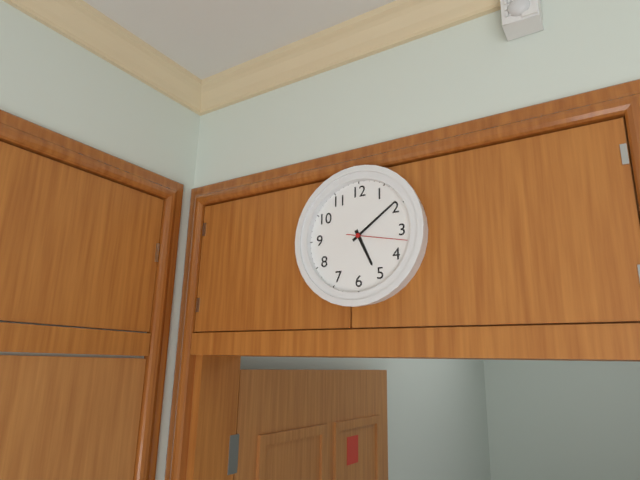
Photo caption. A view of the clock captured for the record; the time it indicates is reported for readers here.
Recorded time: 5:09:17
